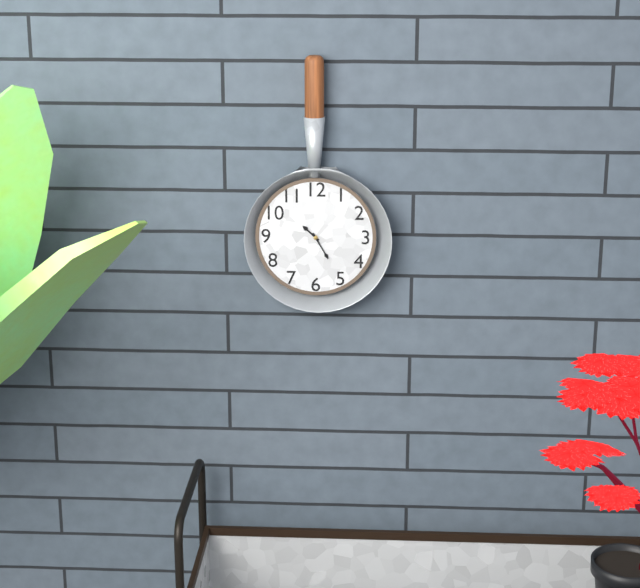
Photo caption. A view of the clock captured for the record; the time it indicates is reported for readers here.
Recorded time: 10:25
